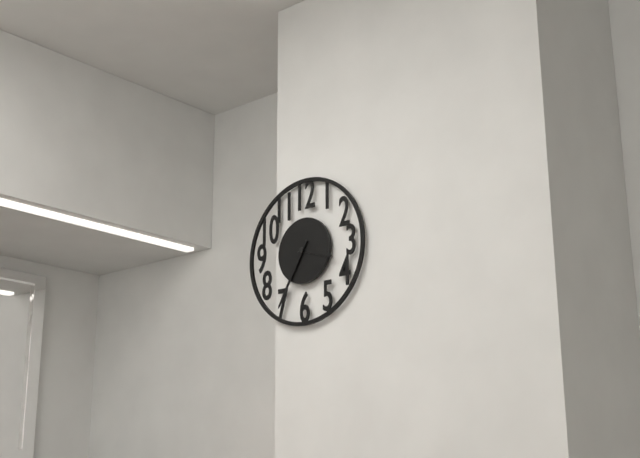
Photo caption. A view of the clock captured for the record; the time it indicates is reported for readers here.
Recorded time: 3:35
